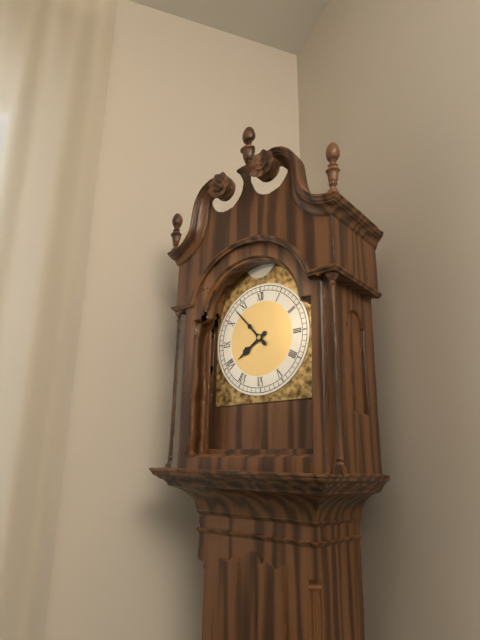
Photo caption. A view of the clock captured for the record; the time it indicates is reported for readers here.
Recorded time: 7:53
